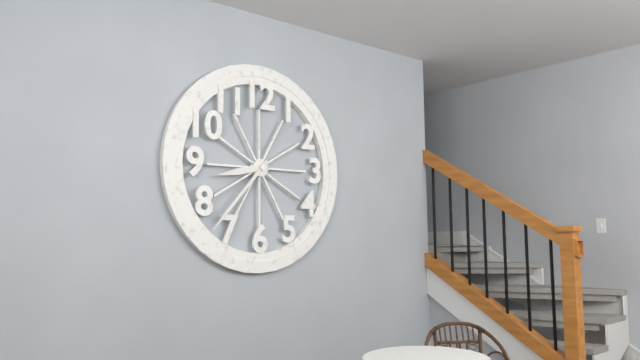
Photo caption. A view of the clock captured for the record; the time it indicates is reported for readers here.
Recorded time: 8:37
